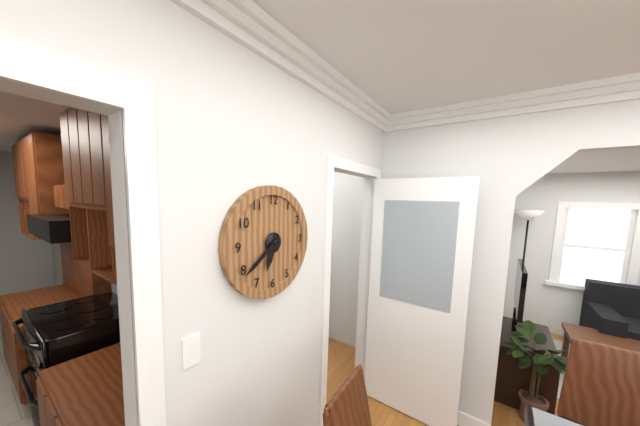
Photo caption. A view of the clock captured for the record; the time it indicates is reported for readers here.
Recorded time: 6:39
